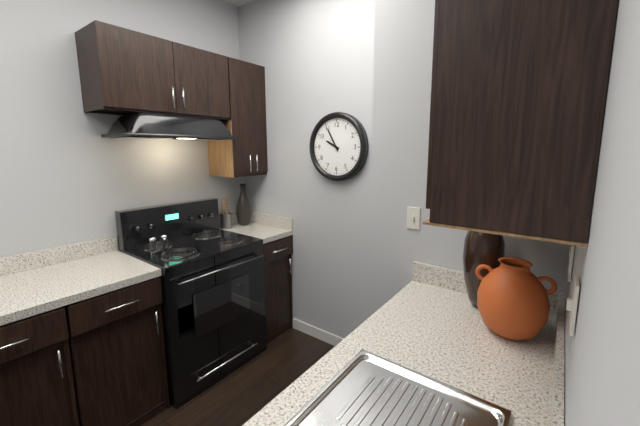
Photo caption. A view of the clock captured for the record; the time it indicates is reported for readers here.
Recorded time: 9:55
